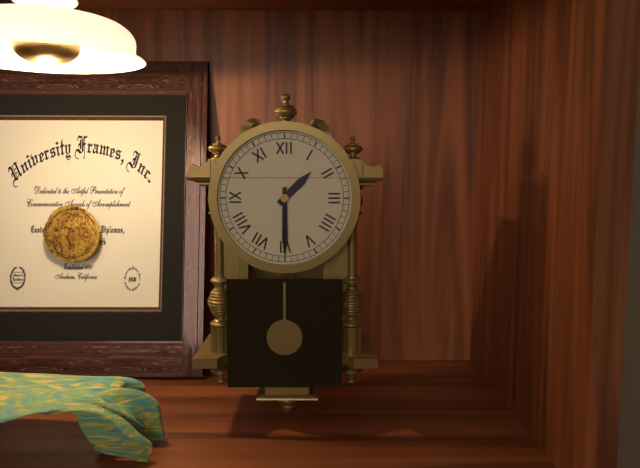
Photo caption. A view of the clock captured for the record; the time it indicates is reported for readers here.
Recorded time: 1:30
